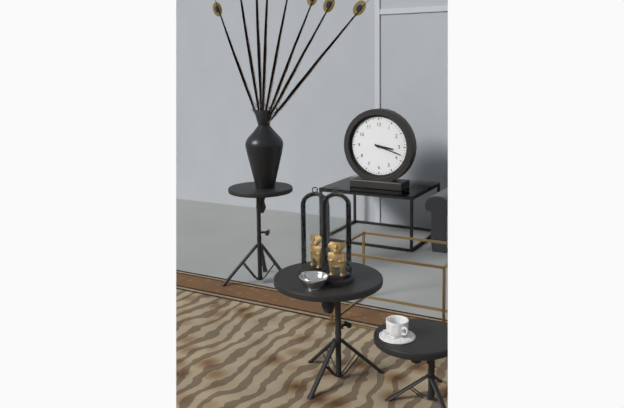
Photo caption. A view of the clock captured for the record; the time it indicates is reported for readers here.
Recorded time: 3:18
